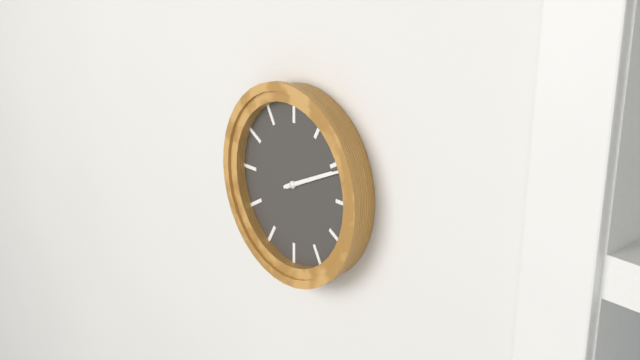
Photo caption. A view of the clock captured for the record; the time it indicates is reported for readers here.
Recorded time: 2:11
